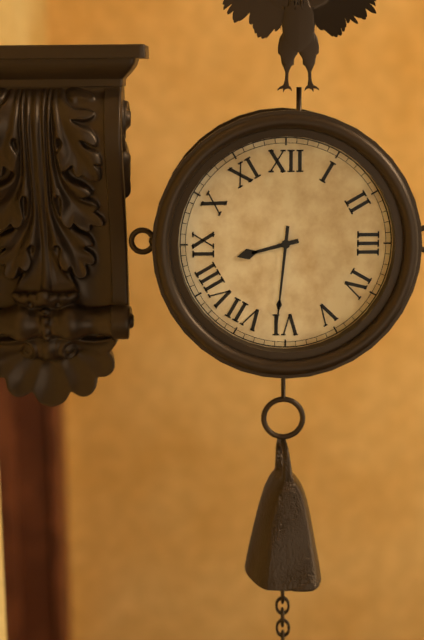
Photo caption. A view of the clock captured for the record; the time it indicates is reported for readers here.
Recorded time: 8:31
